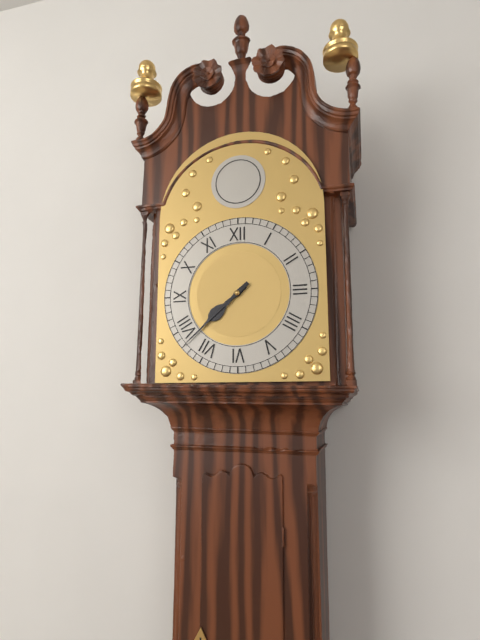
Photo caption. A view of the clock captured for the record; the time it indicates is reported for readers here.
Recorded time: 7:38
